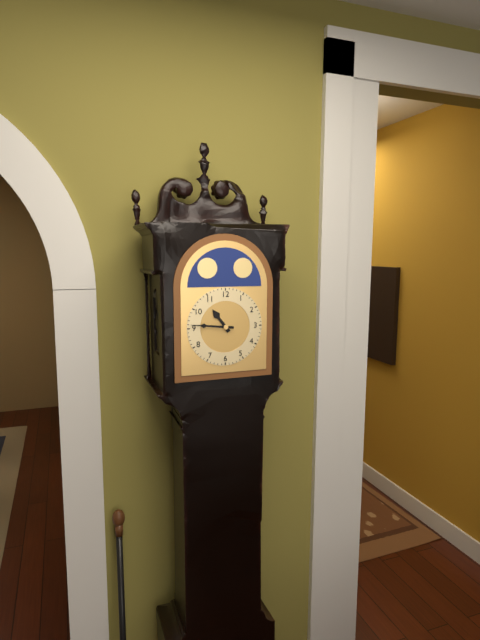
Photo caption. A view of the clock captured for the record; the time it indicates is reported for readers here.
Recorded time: 10:46
